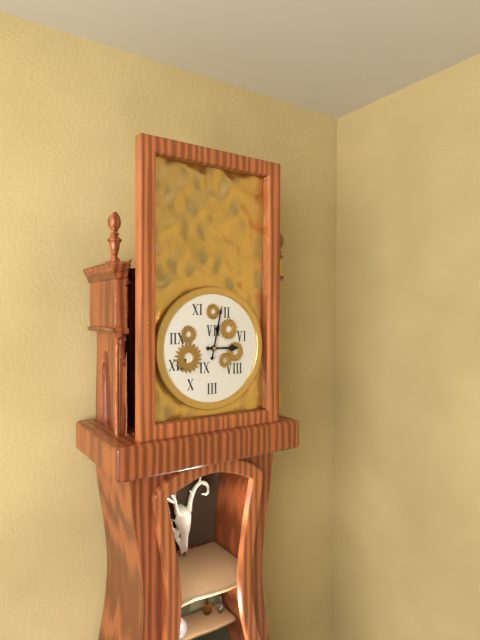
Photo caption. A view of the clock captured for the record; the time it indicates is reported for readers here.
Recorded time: 3:02
